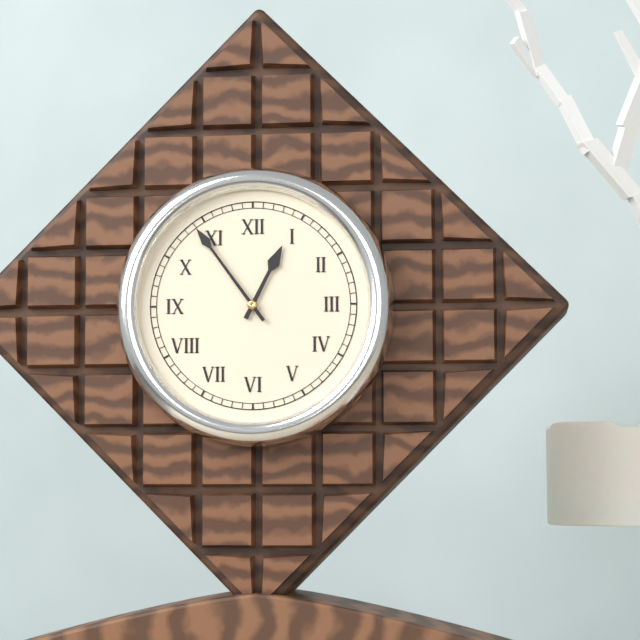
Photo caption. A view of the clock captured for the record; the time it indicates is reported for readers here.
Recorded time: 12:54
